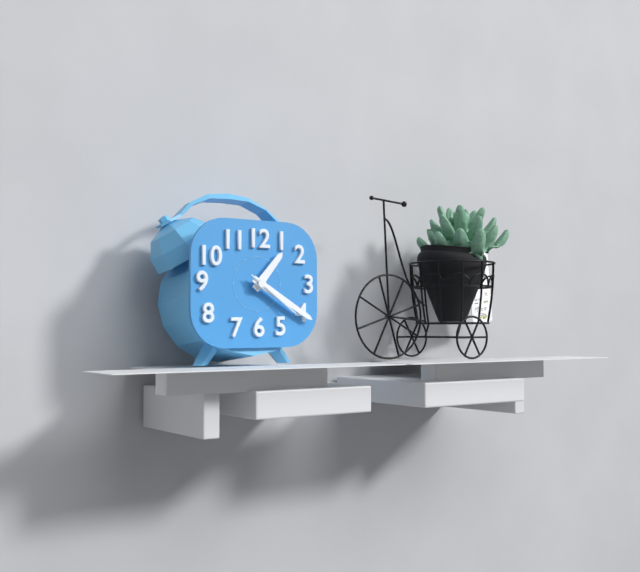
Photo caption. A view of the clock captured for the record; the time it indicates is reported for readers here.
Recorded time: 1:20:21
